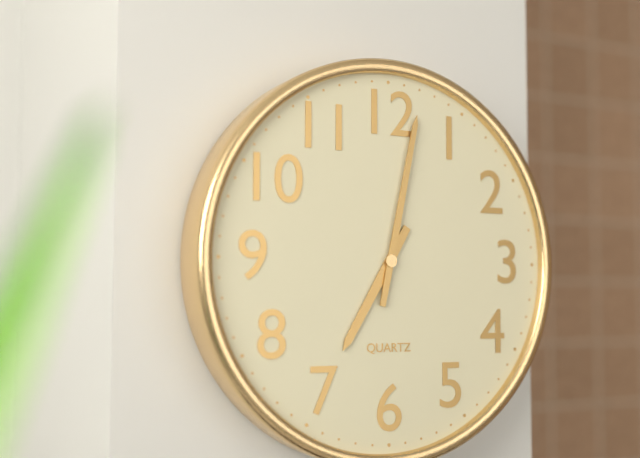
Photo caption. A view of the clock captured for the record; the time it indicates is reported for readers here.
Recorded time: 7:02
